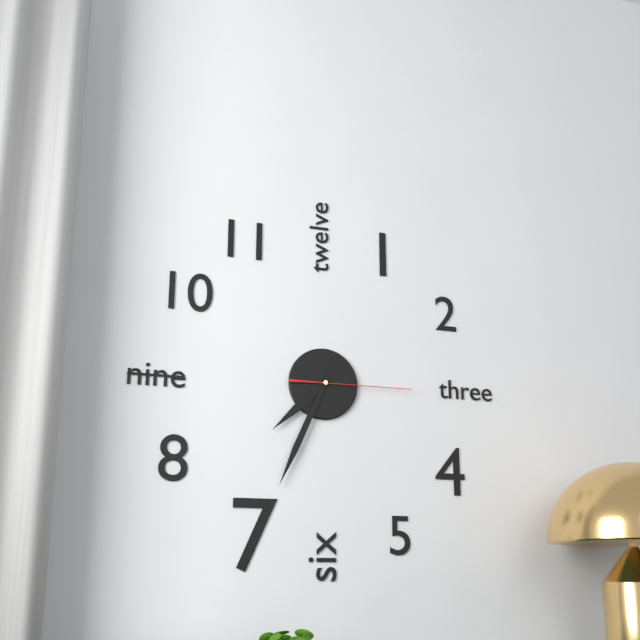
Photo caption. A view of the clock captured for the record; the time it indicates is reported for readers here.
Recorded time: 7:34:15
